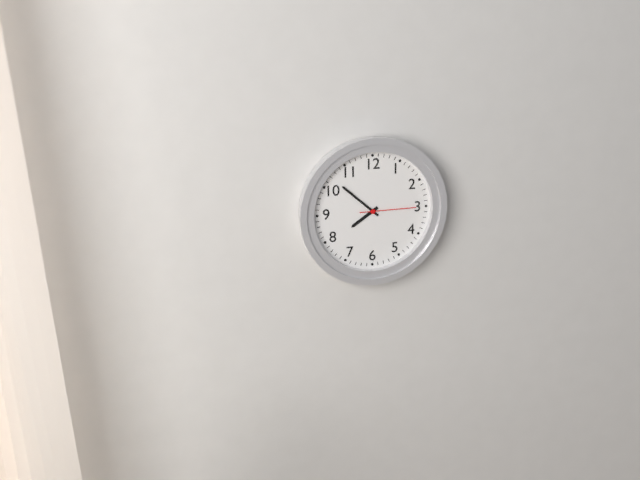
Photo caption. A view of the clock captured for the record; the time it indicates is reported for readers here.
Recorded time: 7:52:15
